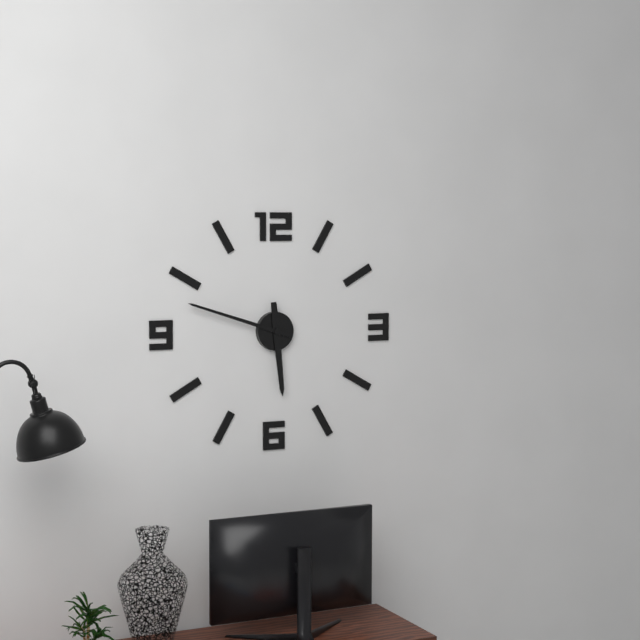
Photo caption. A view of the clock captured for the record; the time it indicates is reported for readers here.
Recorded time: 5:48
